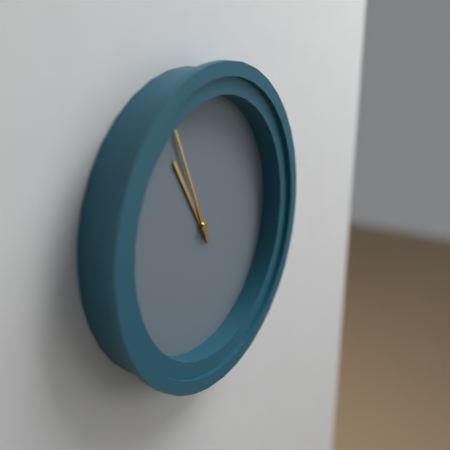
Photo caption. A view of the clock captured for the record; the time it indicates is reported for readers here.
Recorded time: 10:56
